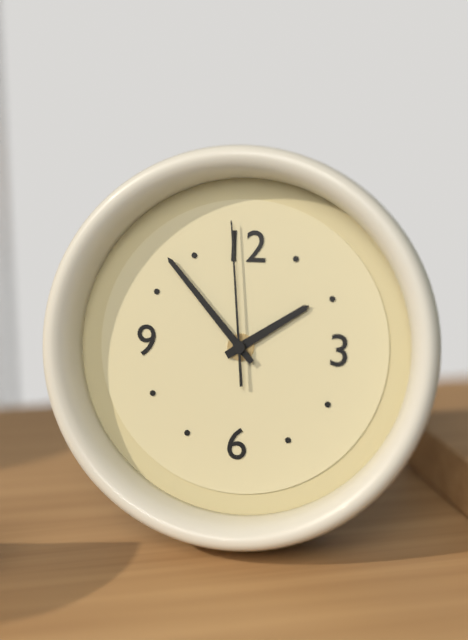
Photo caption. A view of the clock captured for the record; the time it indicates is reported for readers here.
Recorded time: 1:53:59
